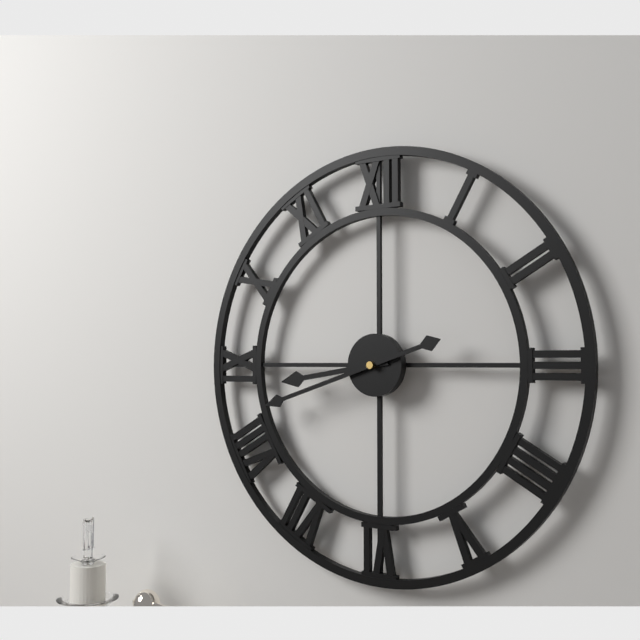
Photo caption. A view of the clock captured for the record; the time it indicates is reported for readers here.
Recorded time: 8:42
